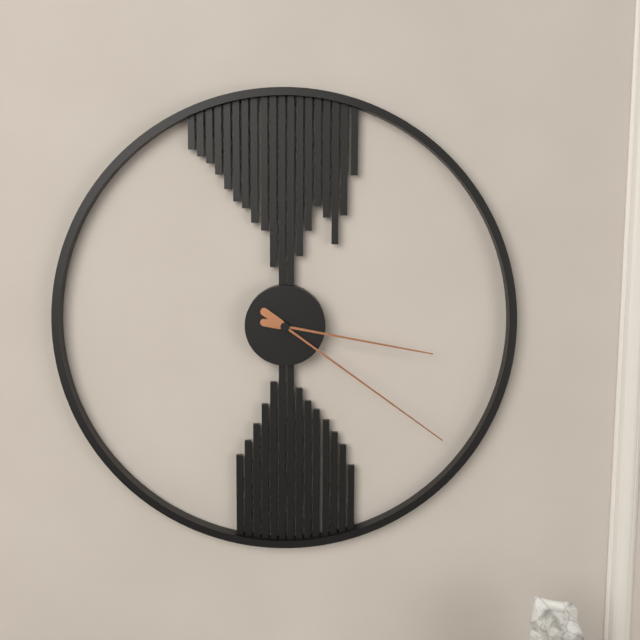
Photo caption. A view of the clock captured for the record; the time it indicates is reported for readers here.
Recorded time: 3:21
